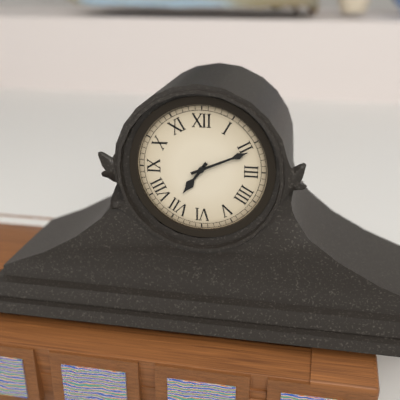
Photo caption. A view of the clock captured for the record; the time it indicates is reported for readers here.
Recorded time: 7:11
